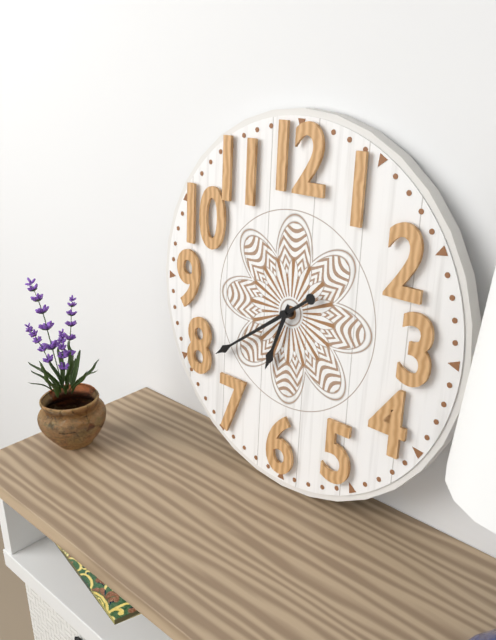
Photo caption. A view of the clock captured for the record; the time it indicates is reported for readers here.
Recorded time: 6:39
